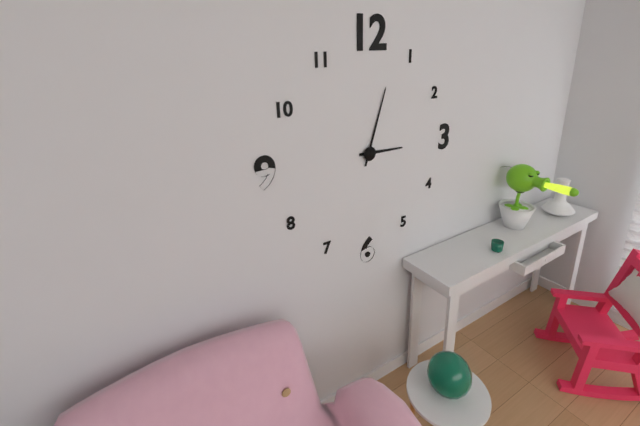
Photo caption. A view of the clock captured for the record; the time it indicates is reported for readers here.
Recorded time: 3:03
